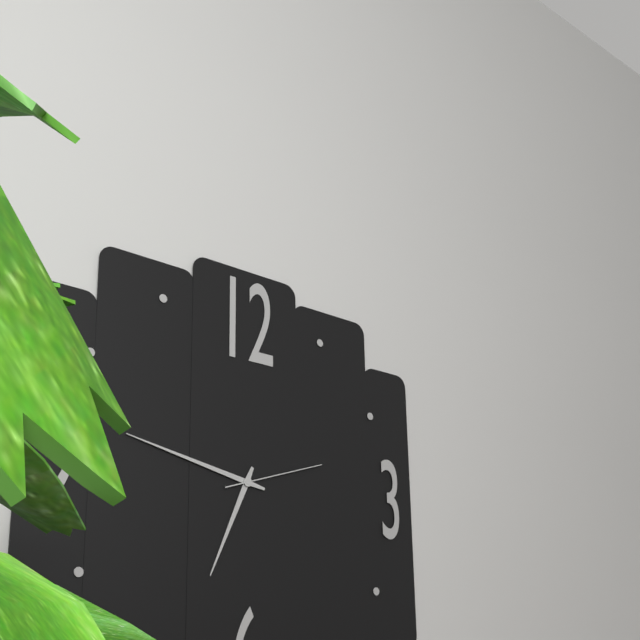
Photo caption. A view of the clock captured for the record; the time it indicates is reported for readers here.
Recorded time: 6:47:12
